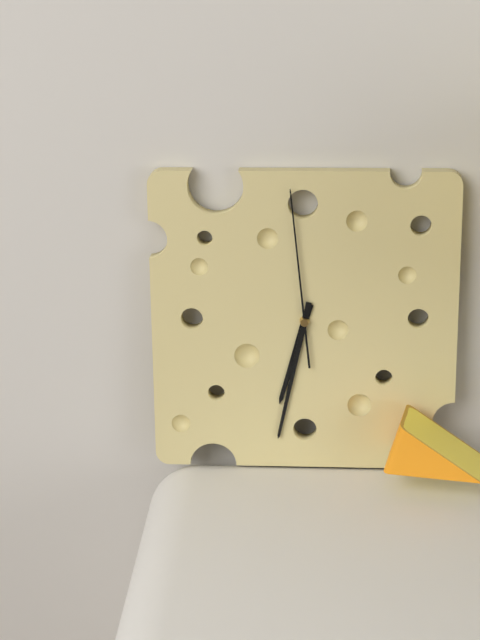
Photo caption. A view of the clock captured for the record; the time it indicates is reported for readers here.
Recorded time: 6:32:59
